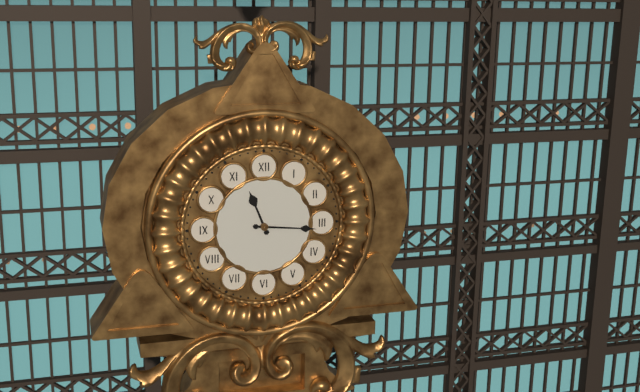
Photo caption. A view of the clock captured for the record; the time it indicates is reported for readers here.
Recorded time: 11:16
